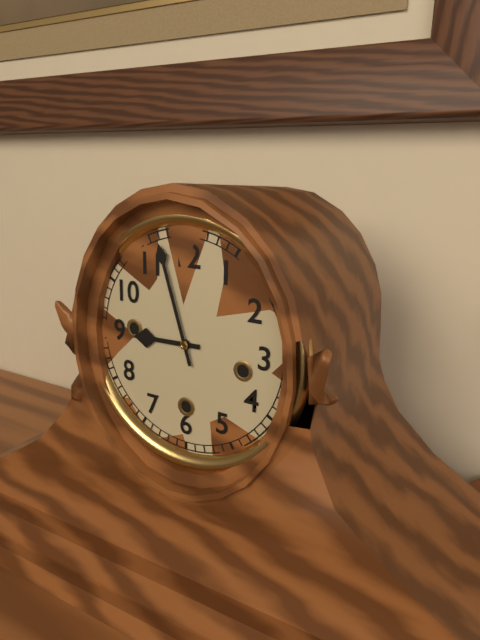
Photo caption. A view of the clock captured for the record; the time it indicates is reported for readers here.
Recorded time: 8:57
